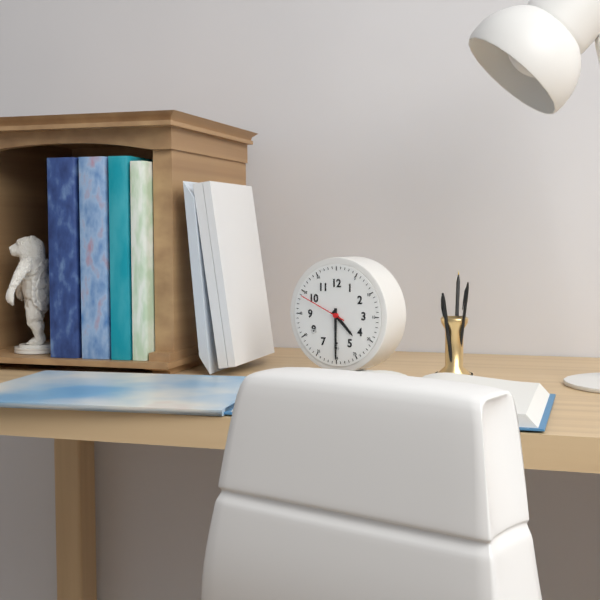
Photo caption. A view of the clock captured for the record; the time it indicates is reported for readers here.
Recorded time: 4:30
